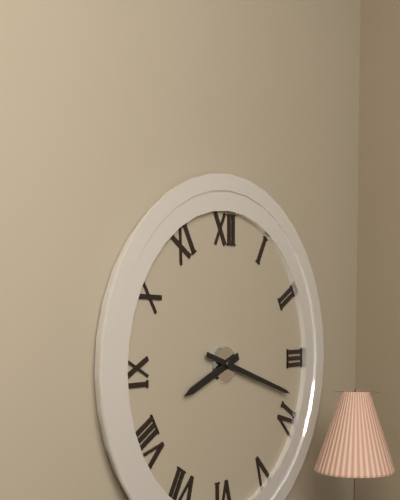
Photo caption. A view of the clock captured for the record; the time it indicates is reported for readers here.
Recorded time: 8:18
